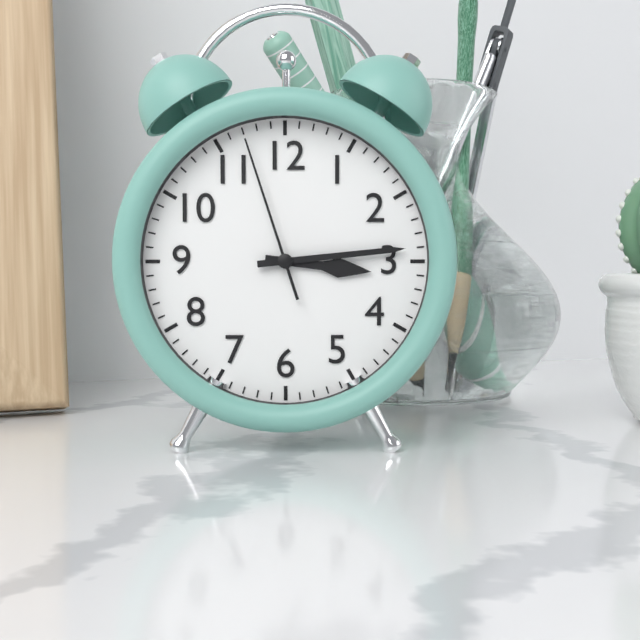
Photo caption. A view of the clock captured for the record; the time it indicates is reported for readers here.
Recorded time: 3:14:57
